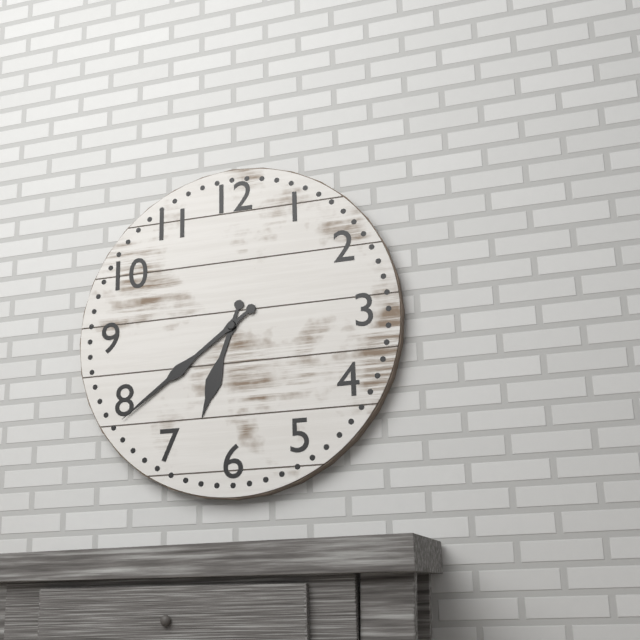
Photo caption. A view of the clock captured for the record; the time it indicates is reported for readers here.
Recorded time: 6:39
